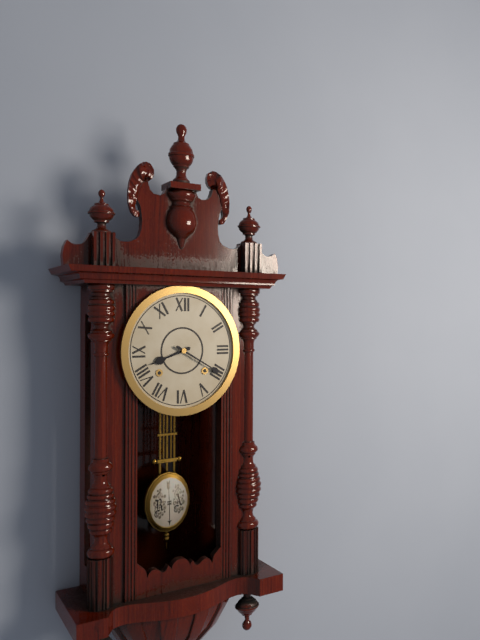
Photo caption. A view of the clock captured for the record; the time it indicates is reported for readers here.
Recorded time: 8:20
